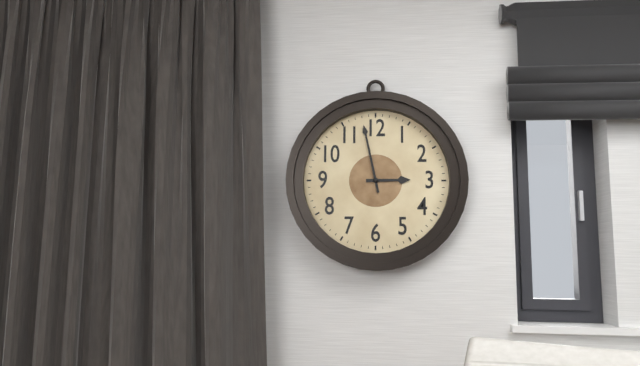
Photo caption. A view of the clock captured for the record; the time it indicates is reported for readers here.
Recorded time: 2:58
